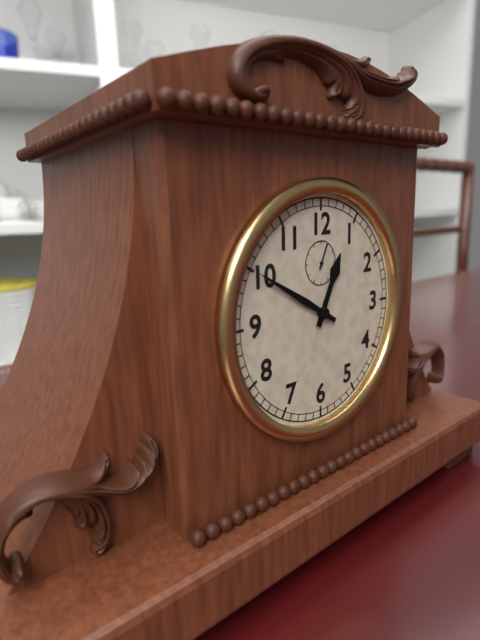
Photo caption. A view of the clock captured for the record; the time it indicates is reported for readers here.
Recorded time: 12:50
